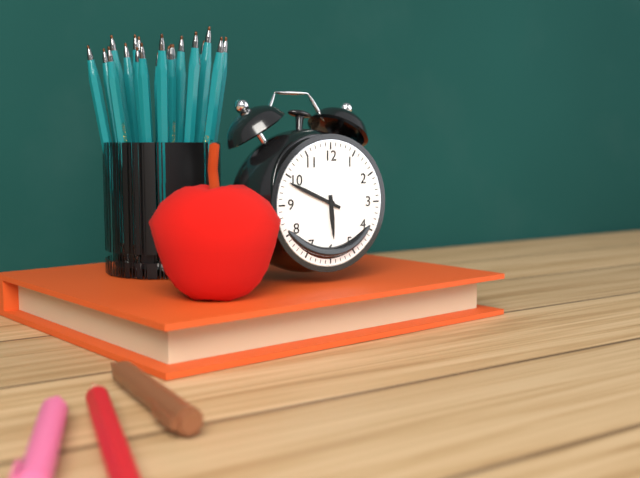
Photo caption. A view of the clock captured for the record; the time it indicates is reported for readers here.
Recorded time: 5:49
